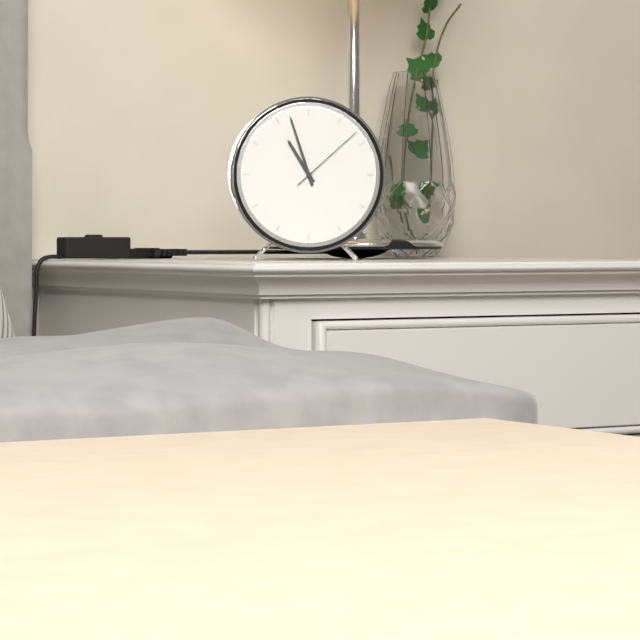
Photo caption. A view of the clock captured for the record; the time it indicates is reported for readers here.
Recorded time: 10:57:08
